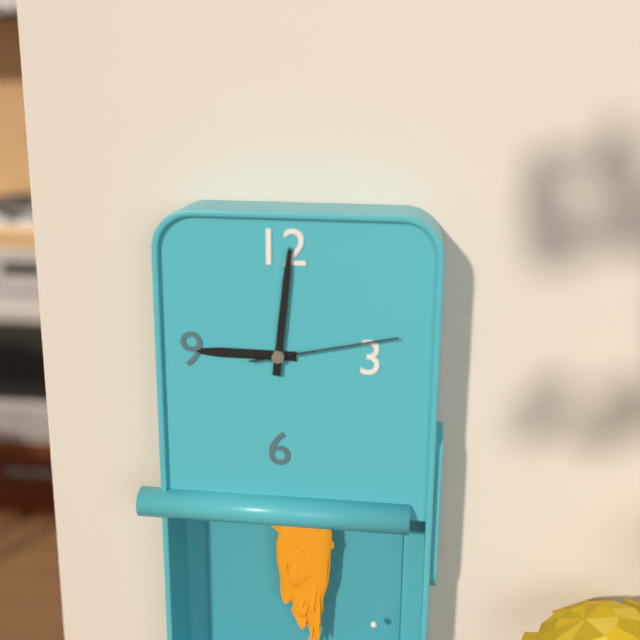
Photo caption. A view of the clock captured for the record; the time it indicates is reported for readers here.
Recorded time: 9:01:13
